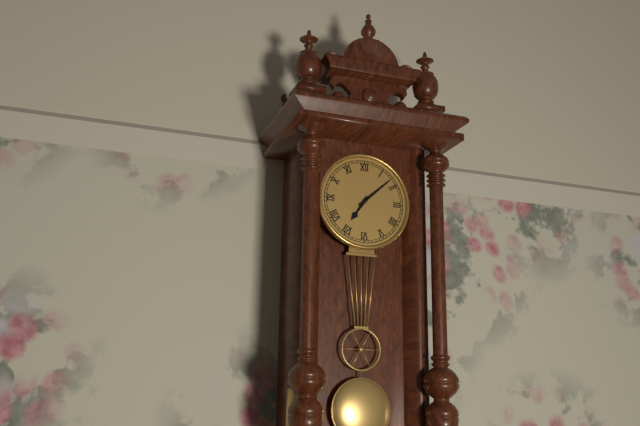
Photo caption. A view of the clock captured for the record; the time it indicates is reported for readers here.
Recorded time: 7:08
